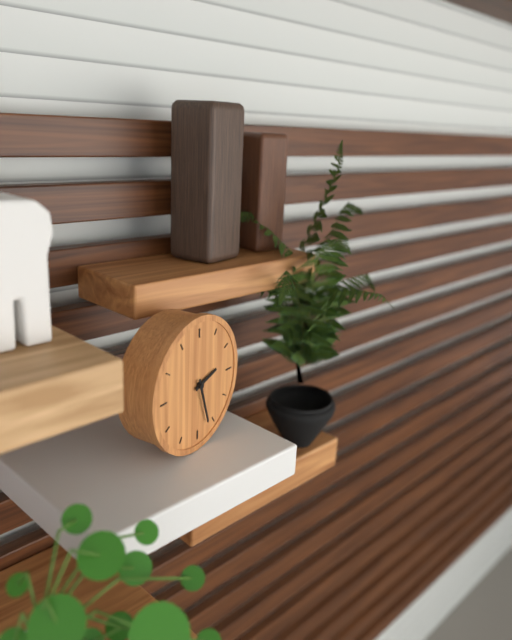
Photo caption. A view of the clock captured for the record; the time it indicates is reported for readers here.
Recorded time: 2:27
